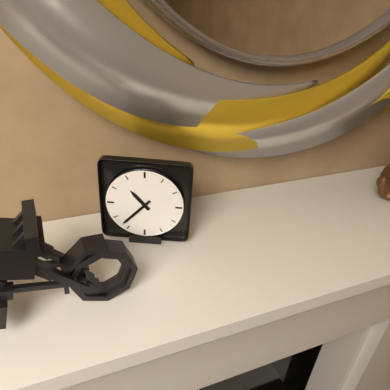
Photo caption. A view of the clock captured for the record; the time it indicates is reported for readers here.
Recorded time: 10:37
